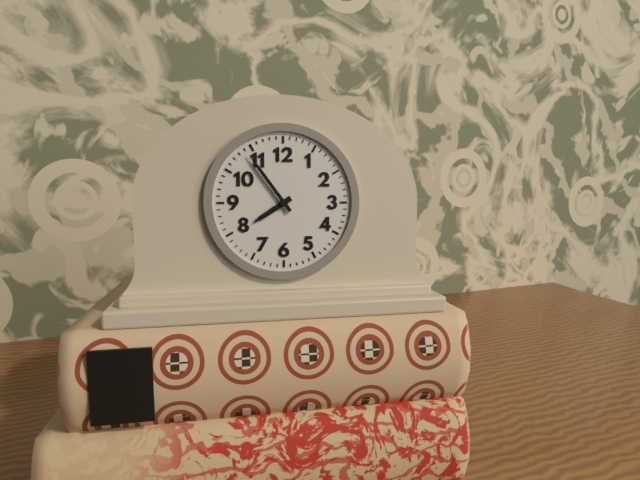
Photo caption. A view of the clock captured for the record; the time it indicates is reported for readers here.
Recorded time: 7:54
